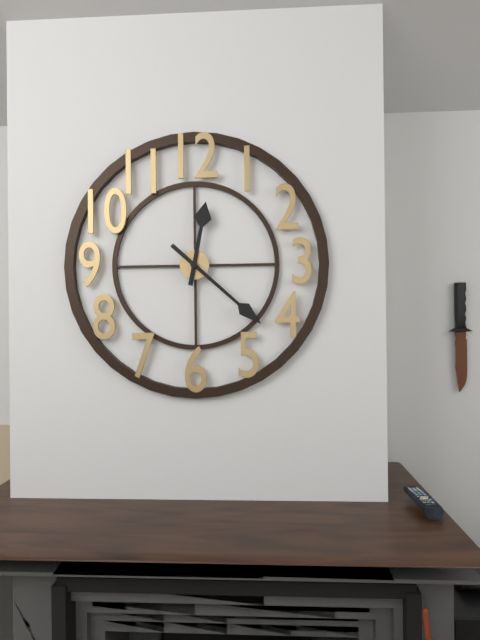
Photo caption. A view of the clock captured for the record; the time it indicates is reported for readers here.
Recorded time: 12:22
